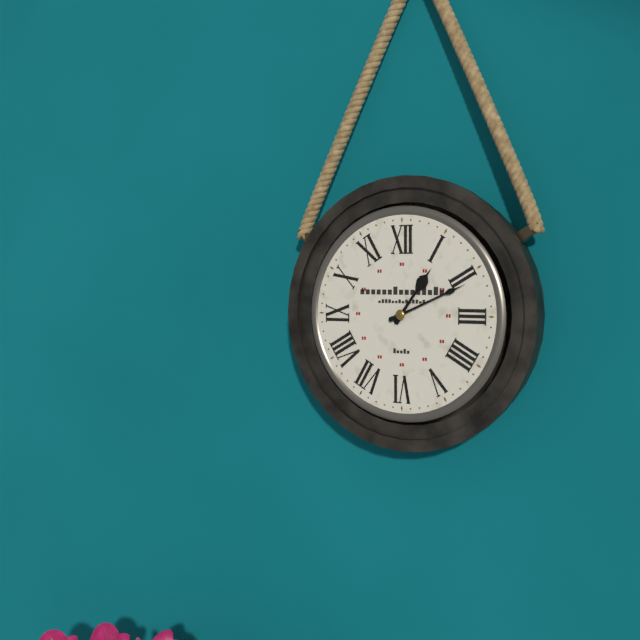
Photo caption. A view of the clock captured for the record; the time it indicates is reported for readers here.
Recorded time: 1:11
